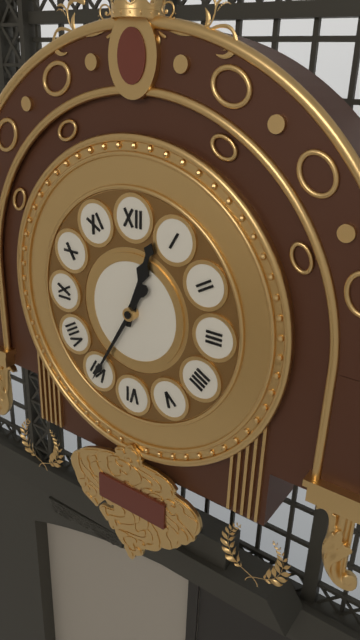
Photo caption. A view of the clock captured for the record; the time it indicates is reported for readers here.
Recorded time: 12:35
